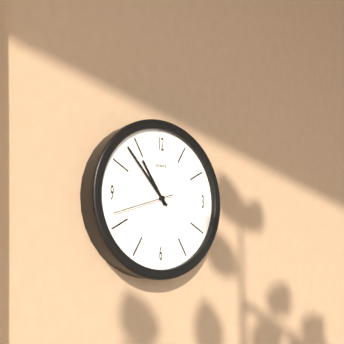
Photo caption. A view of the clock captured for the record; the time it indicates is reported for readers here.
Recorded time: 10:53:42
